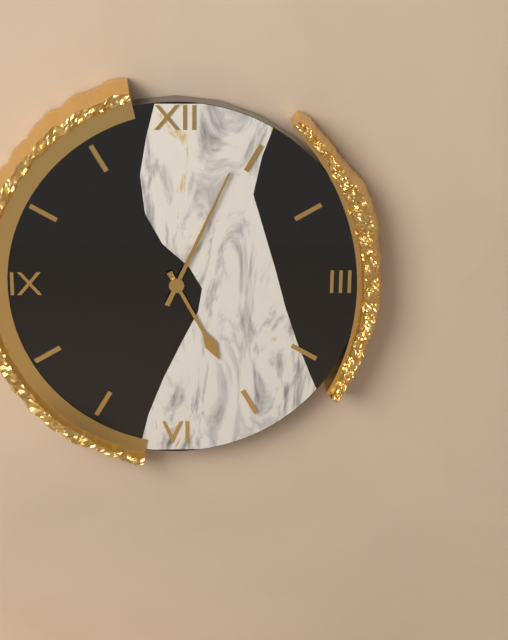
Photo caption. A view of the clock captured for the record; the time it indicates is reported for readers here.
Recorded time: 5:04
